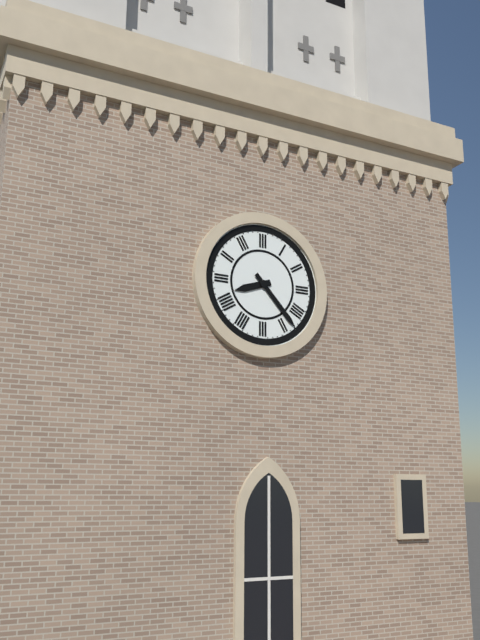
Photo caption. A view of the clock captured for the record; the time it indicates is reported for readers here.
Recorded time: 8:23
